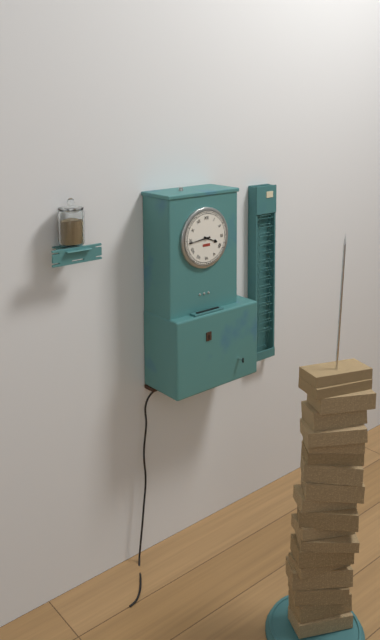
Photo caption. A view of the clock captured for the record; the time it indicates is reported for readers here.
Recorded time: 3:44
